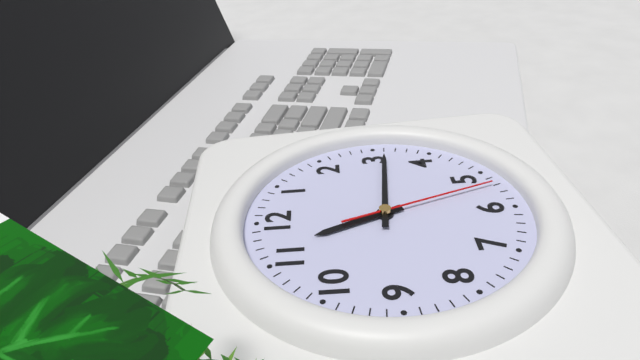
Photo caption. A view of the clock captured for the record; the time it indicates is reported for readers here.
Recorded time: 11:16:27
